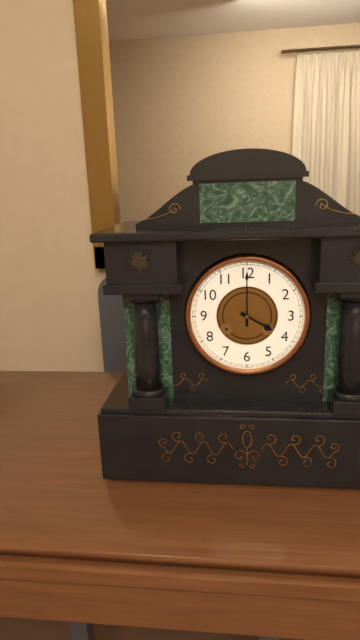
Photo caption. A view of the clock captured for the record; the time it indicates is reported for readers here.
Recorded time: 4:00
